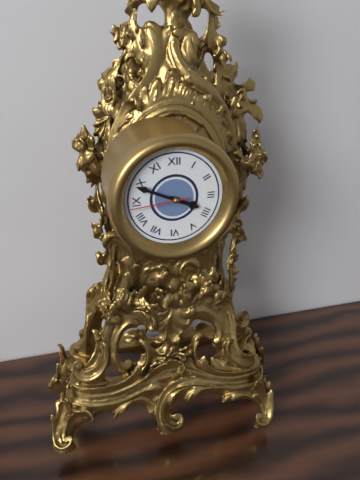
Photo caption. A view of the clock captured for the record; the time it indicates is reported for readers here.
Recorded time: 3:49:44
